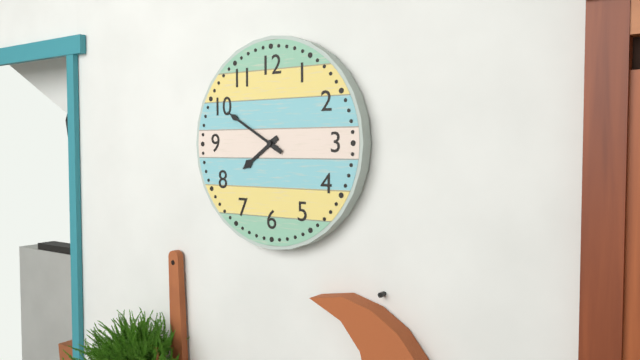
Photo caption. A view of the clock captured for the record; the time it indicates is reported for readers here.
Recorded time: 7:50
